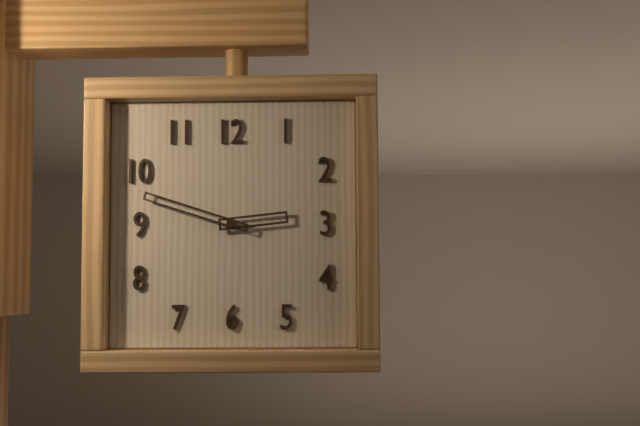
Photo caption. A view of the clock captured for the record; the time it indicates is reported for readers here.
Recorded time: 2:48
